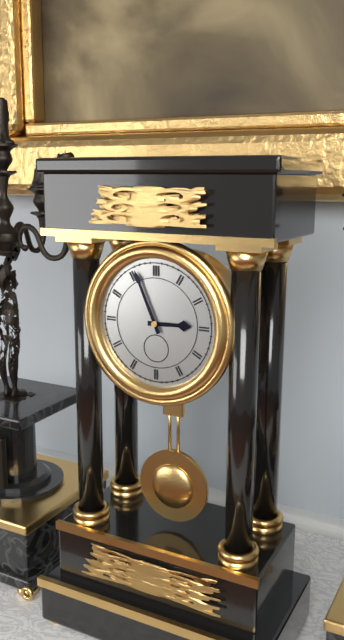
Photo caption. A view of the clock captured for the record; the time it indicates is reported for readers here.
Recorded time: 2:56
